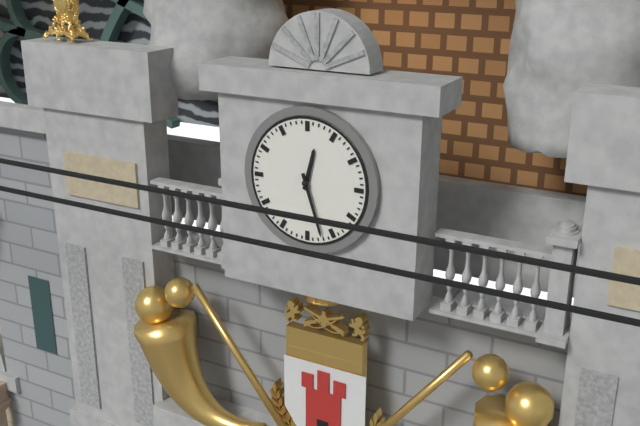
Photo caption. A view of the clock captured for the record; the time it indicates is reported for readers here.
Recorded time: 12:27
